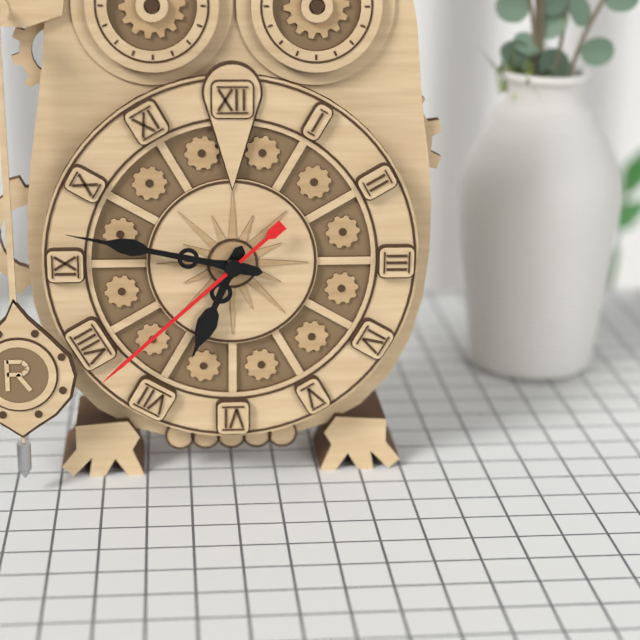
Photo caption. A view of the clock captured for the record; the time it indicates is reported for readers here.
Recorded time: 6:47:38
